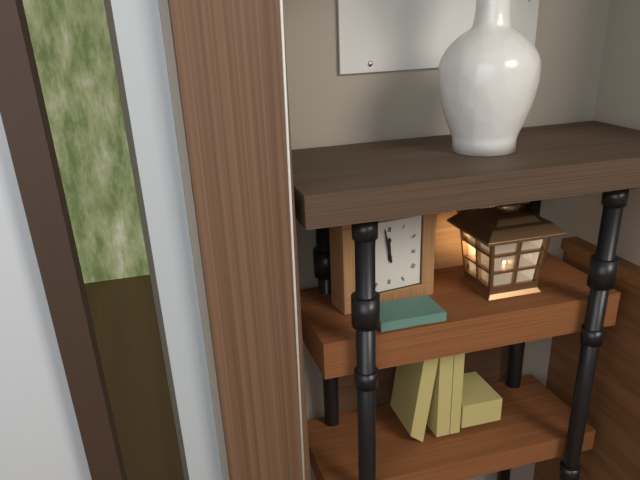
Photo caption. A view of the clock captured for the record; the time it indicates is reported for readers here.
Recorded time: 11:58
